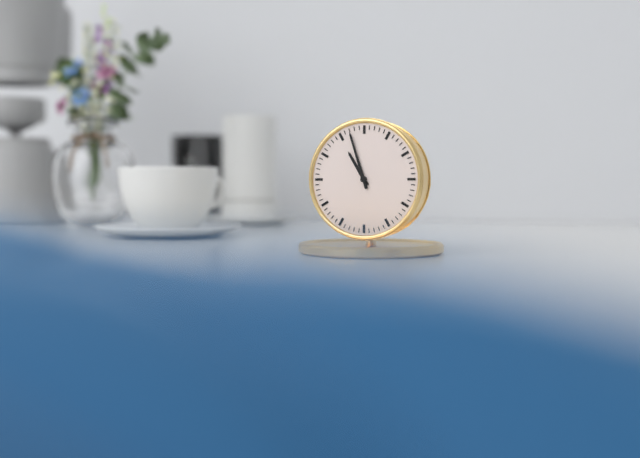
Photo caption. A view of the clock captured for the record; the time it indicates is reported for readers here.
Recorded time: 10:57
